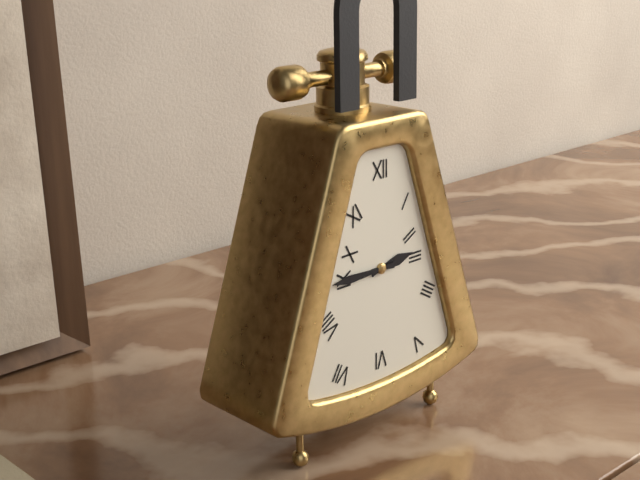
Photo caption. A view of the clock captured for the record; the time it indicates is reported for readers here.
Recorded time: 2:45
